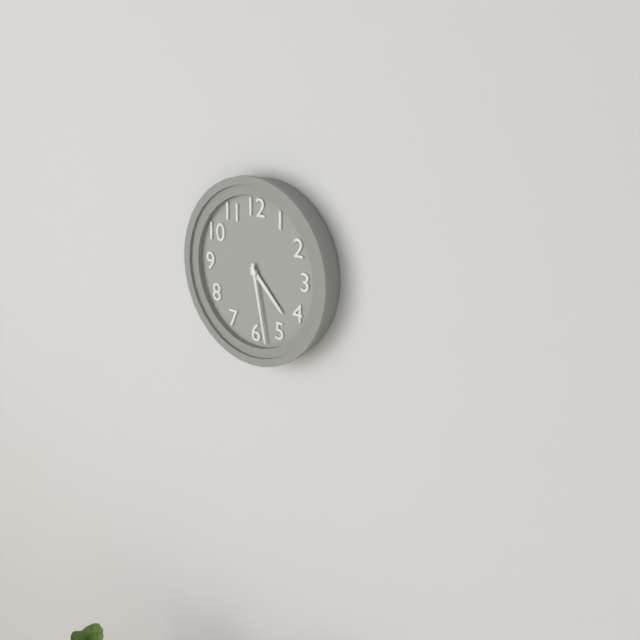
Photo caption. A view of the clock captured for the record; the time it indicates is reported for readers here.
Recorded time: 4:28
